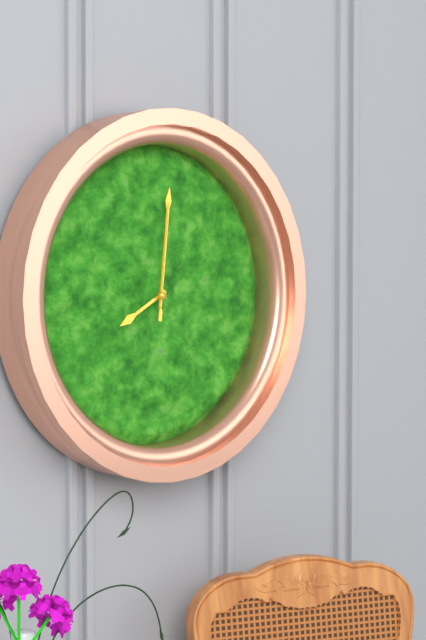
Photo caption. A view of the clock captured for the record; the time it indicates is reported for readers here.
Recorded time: 8:01:01
